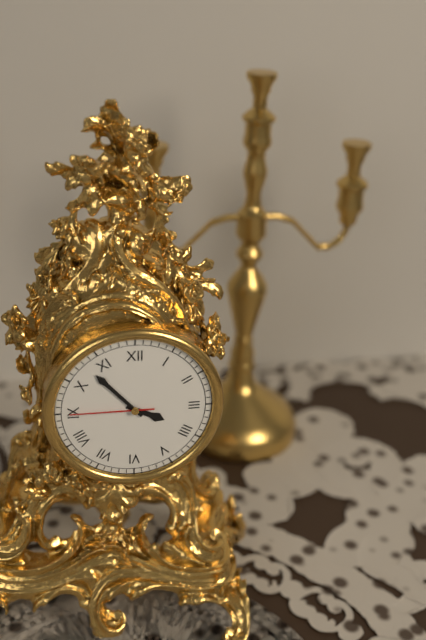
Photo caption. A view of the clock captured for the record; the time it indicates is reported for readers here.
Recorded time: 3:53:45
